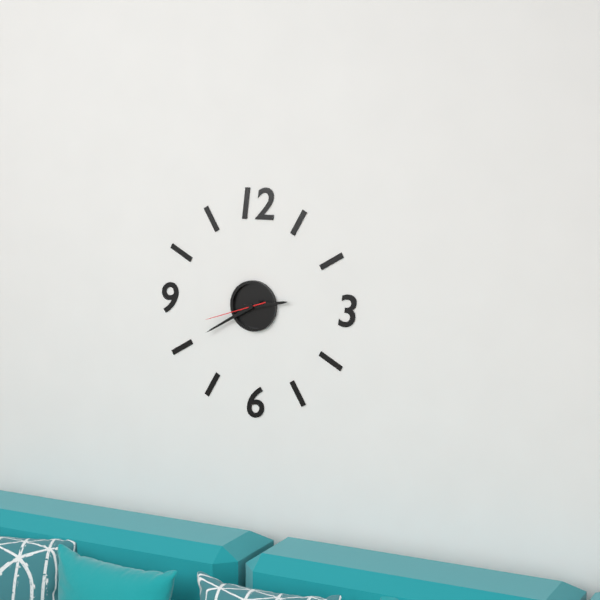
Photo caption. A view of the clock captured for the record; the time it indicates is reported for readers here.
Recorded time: 2:40:42
